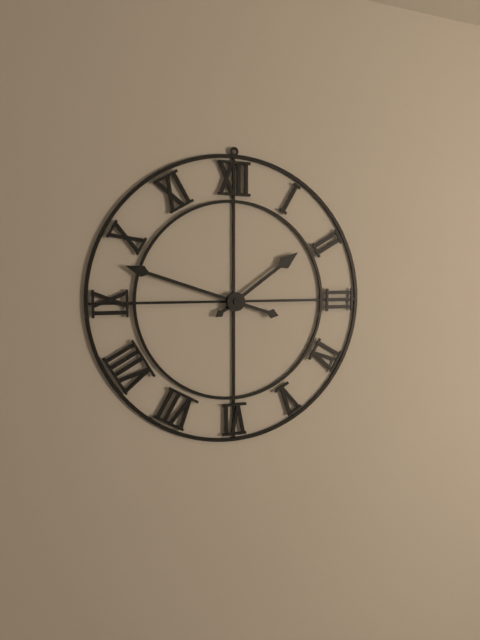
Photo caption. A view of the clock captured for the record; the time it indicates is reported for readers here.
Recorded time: 1:48
